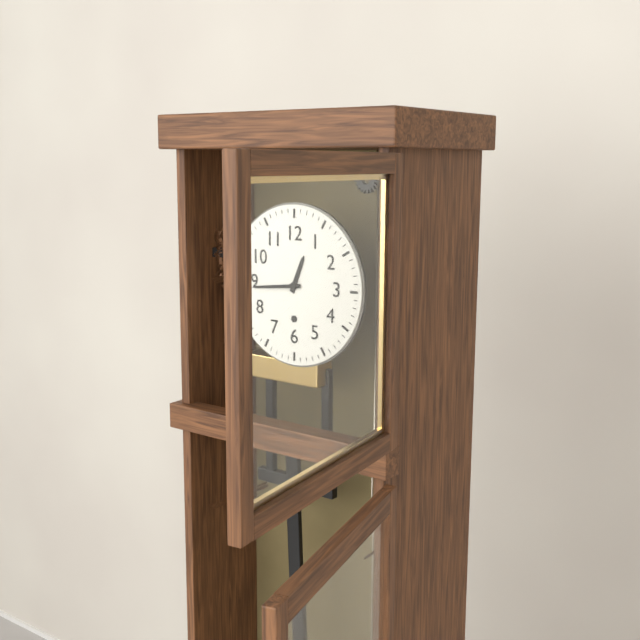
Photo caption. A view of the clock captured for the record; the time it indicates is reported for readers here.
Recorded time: 12:44
